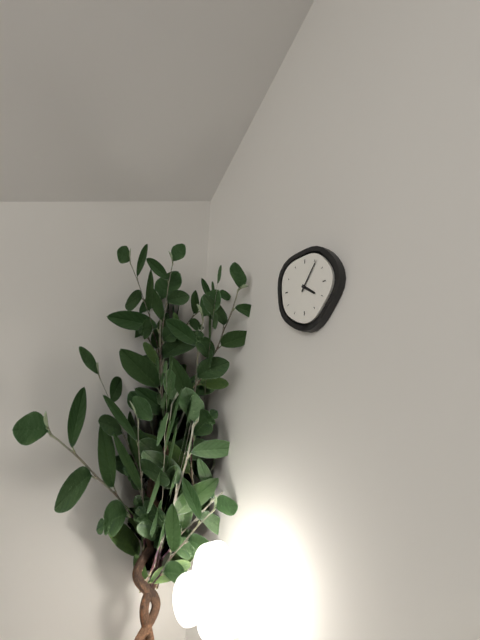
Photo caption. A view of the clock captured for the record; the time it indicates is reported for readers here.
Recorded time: 4:06
